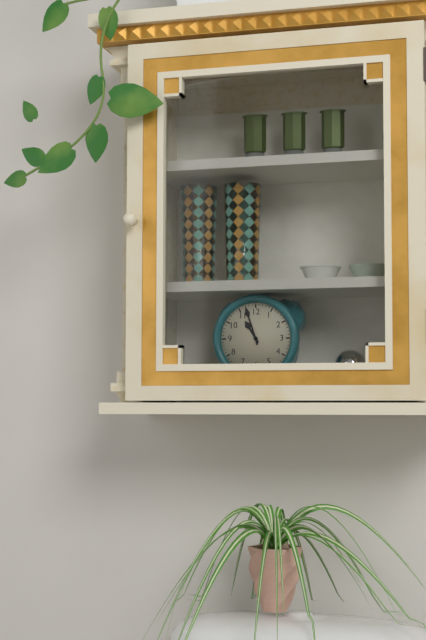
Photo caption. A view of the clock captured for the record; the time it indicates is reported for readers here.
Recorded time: 10:57
